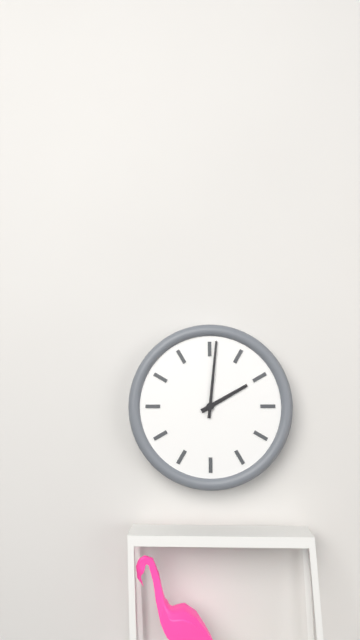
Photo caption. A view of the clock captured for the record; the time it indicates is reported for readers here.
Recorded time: 2:01
